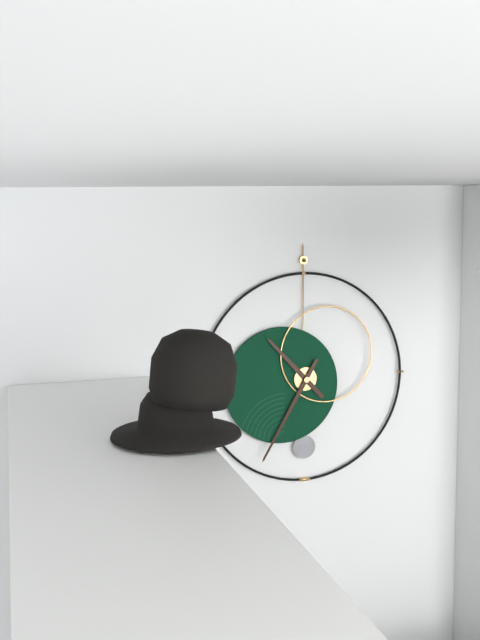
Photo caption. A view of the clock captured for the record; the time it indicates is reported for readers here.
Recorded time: 10:35
